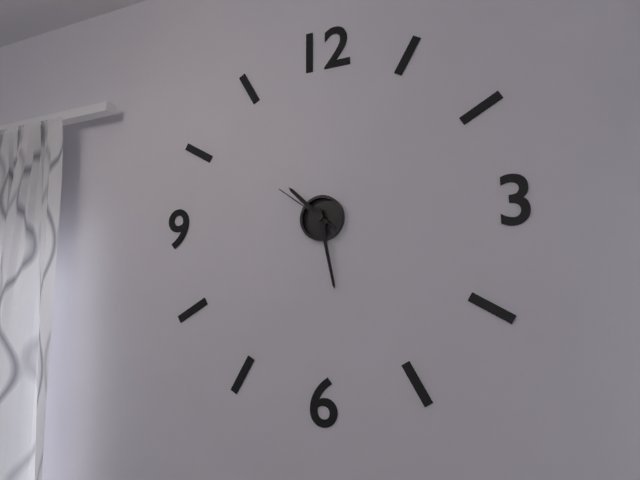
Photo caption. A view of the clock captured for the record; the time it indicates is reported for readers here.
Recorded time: 10:28:51
